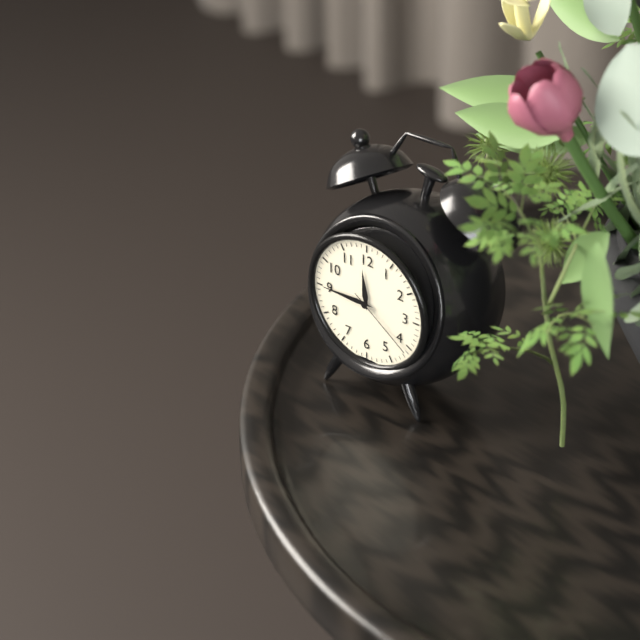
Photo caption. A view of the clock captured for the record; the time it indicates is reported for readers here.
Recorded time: 11:45:21
